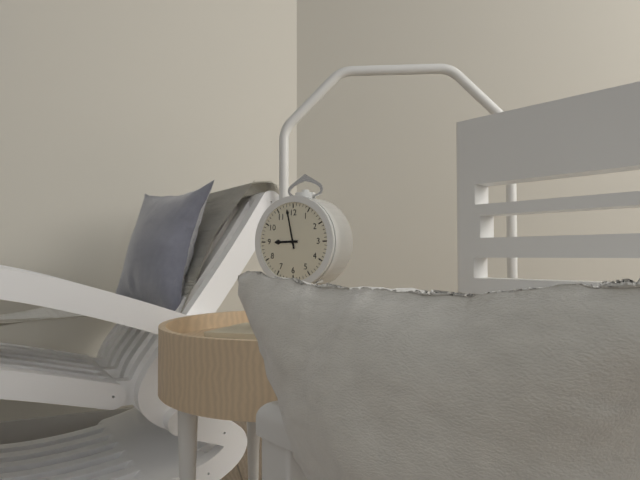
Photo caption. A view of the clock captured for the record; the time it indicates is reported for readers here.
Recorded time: 8:58
